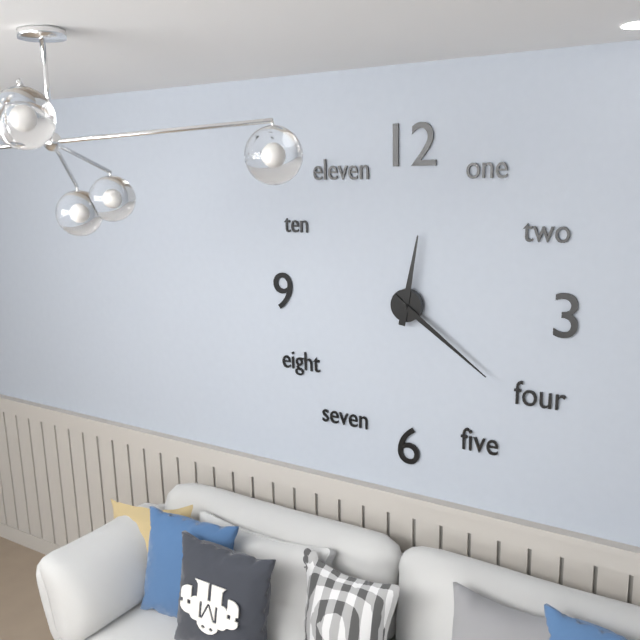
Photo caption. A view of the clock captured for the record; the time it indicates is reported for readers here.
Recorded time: 12:21
